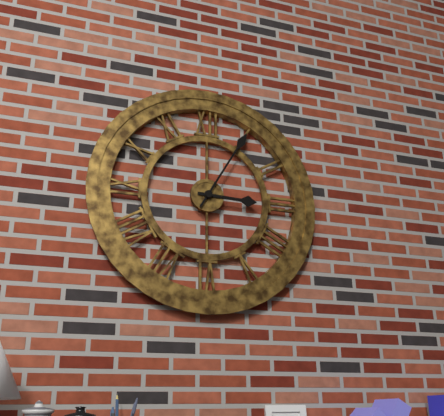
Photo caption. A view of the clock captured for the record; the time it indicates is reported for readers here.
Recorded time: 3:05
